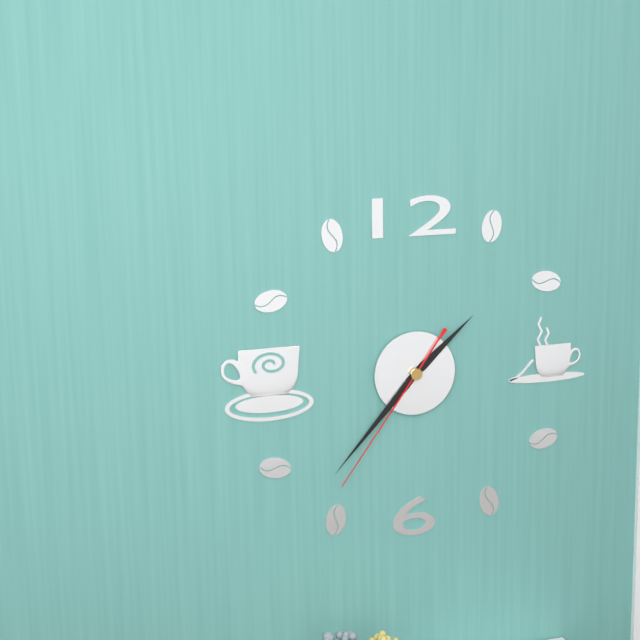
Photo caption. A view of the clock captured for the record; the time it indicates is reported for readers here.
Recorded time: 1:37:36
